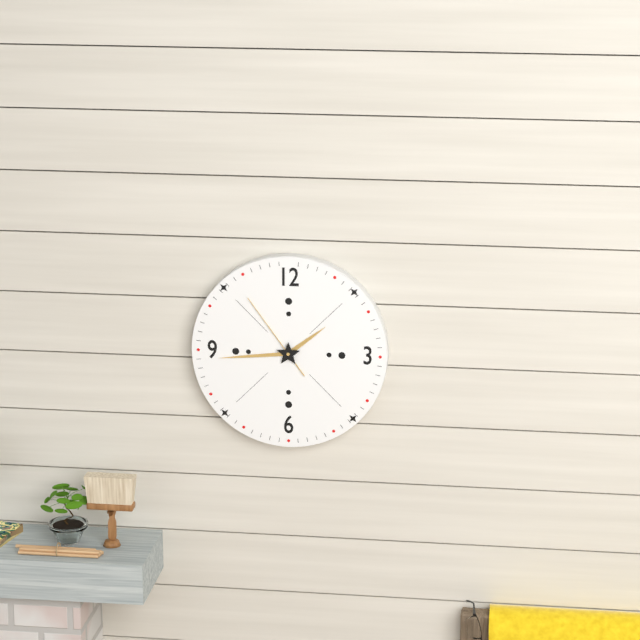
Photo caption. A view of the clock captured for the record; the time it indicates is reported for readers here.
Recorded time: 1:44:54
